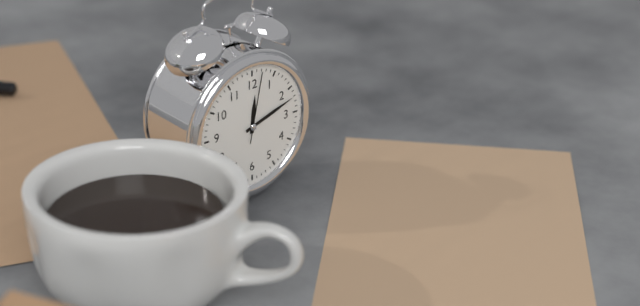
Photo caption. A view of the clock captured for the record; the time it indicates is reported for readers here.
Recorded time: 12:12:02
